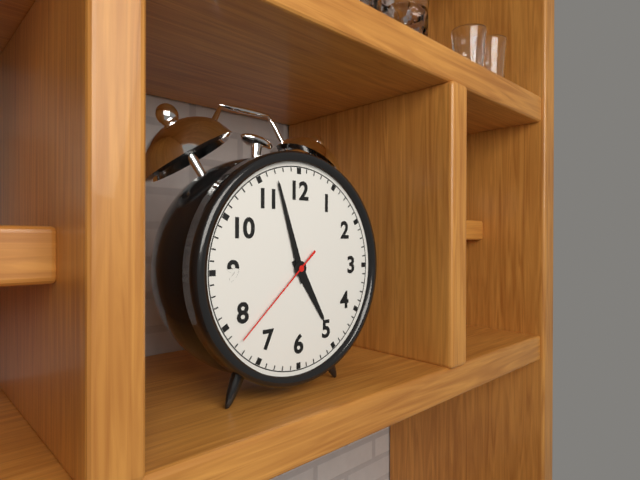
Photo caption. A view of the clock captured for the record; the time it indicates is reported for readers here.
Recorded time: 4:57:38
